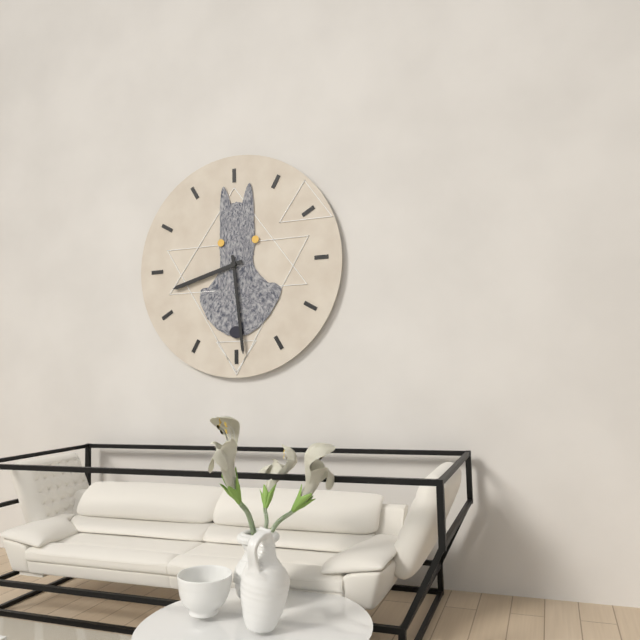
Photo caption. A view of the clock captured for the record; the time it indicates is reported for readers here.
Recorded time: 8:29
